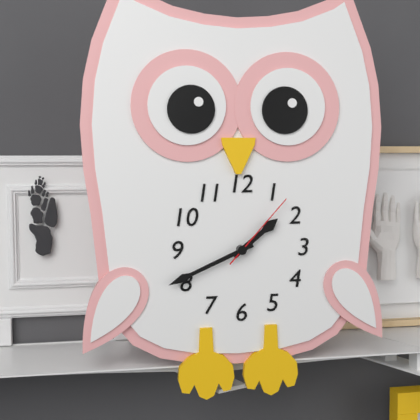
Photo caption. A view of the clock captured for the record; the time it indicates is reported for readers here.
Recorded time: 1:41:07
